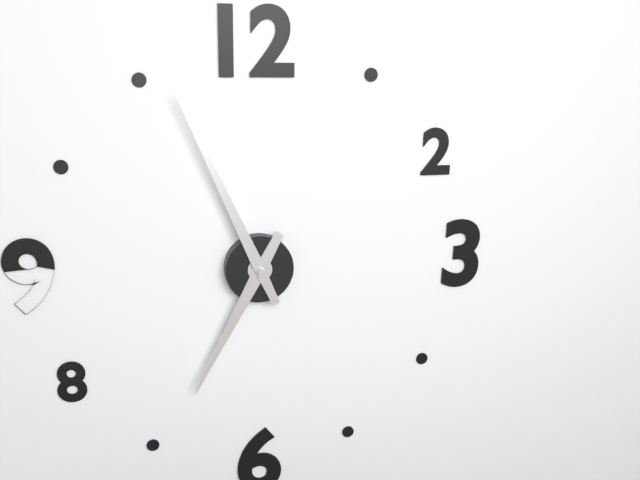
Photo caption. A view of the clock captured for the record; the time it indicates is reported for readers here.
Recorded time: 6:56
